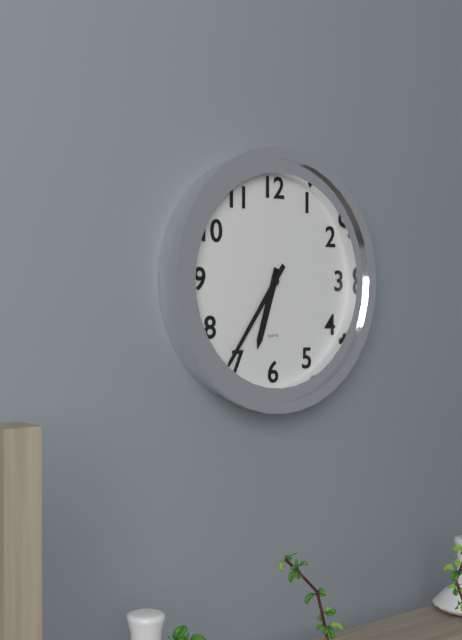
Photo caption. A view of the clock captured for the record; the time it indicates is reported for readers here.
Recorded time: 6:36
